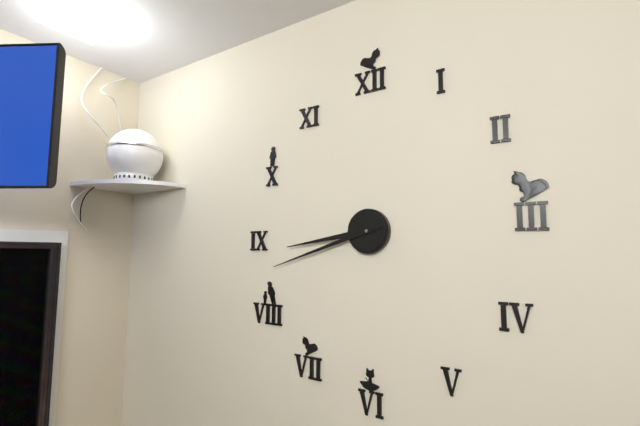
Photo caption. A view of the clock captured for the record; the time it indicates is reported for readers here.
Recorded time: 8:42
